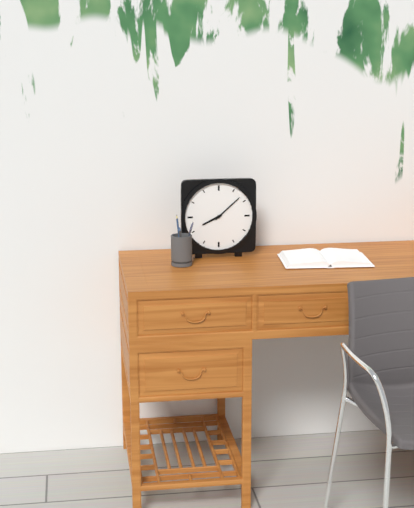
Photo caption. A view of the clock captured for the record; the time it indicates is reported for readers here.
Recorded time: 8:08
